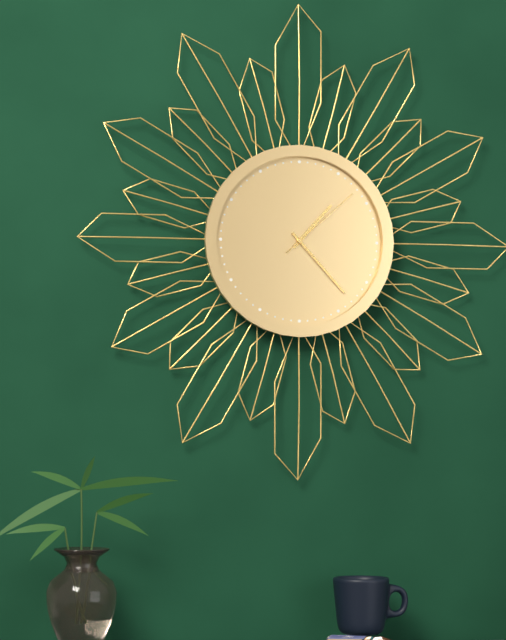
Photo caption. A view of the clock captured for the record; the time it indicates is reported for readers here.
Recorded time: 1:23:08
